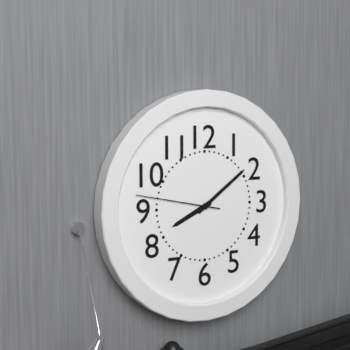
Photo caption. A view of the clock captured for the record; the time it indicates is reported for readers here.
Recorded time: 8:09:47
